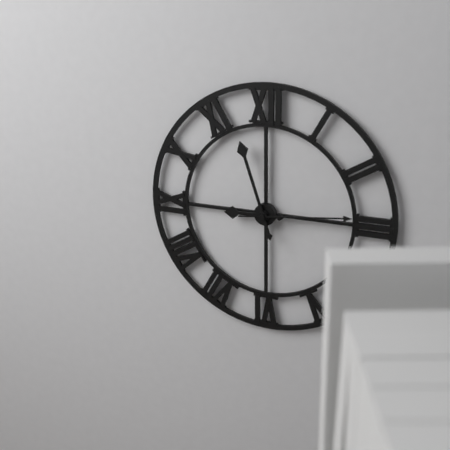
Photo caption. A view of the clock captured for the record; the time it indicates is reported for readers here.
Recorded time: 8:57:14
